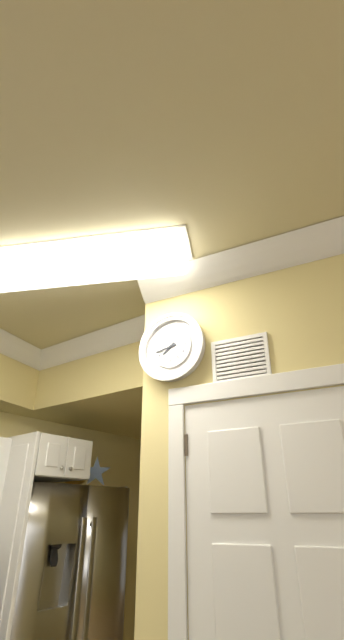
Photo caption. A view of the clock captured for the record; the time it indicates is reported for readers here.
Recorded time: 7:43
